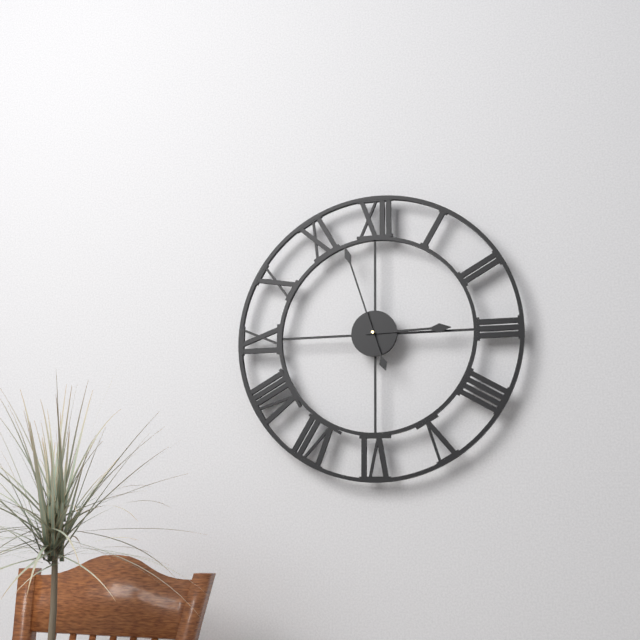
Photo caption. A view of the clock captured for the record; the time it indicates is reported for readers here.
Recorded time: 2:57
